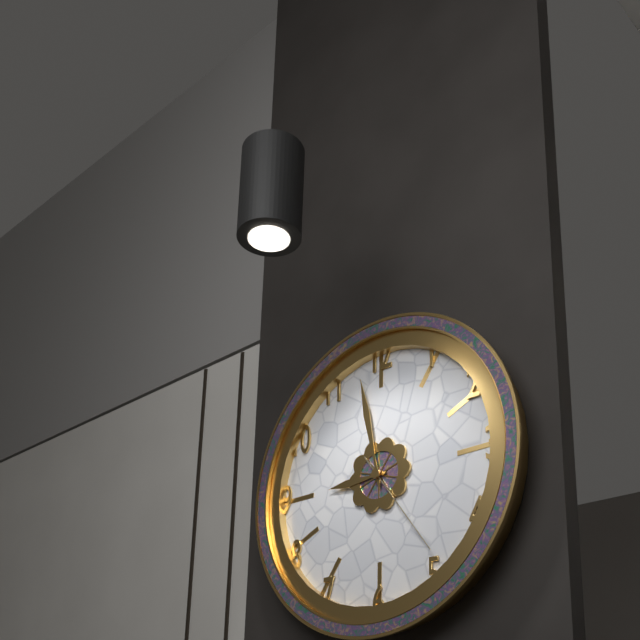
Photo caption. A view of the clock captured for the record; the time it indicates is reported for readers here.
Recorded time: 8:58:24
